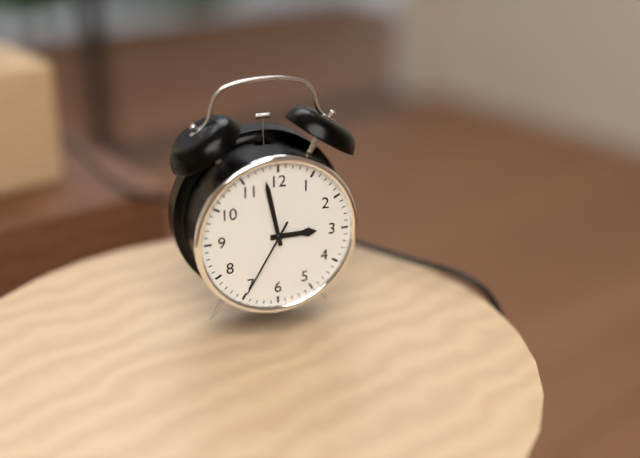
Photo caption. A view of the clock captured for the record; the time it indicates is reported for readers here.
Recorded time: 2:58:35
